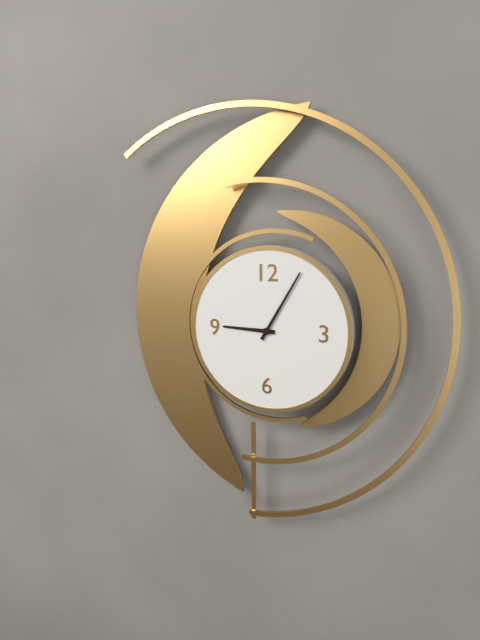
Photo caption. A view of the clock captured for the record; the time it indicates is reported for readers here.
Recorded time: 9:05
